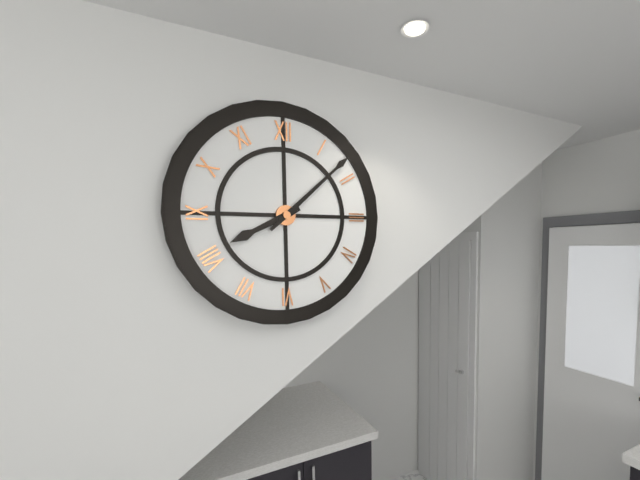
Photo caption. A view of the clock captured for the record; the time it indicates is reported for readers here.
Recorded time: 8:08
